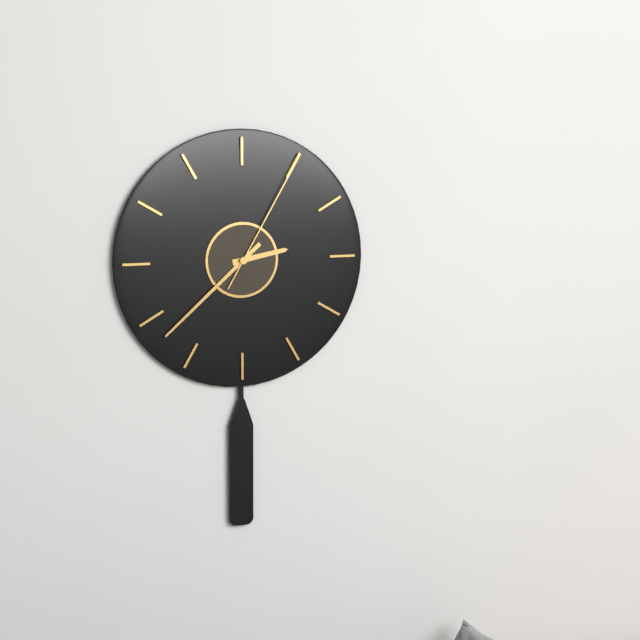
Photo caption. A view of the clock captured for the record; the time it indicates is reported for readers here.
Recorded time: 2:38:05
